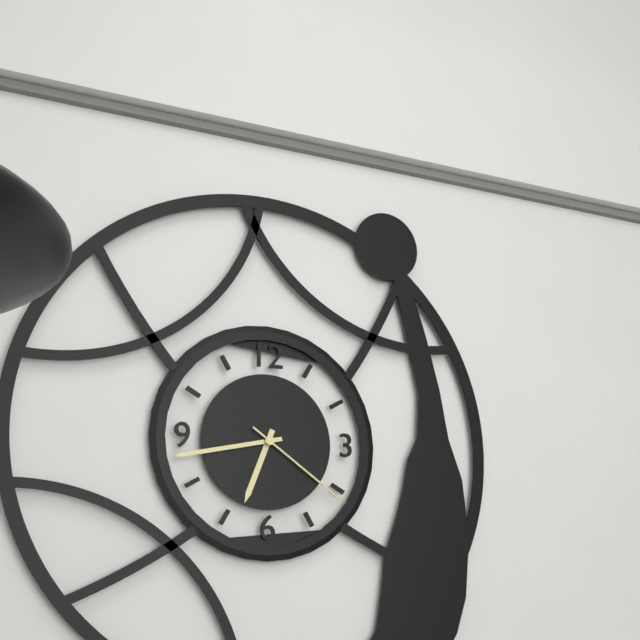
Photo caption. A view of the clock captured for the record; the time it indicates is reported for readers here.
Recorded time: 6:43:21
